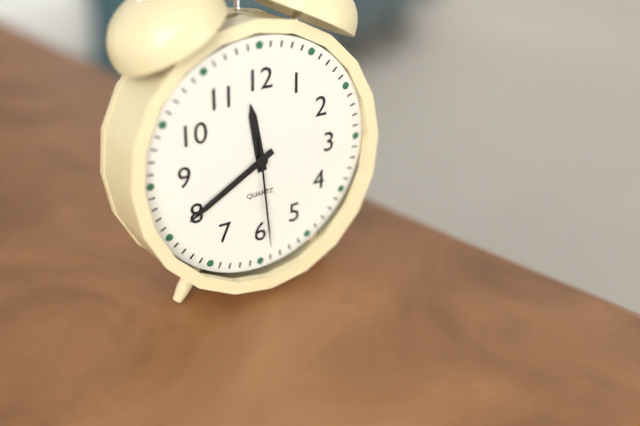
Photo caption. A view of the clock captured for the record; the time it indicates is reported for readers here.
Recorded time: 11:40:29
